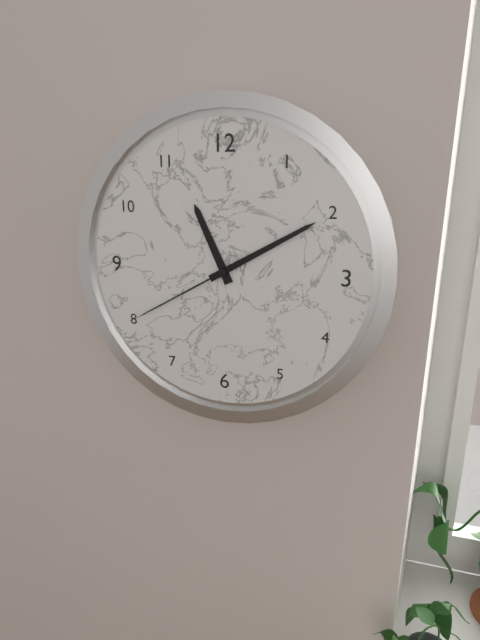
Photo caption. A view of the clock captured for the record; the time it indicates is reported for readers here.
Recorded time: 11:10:40
